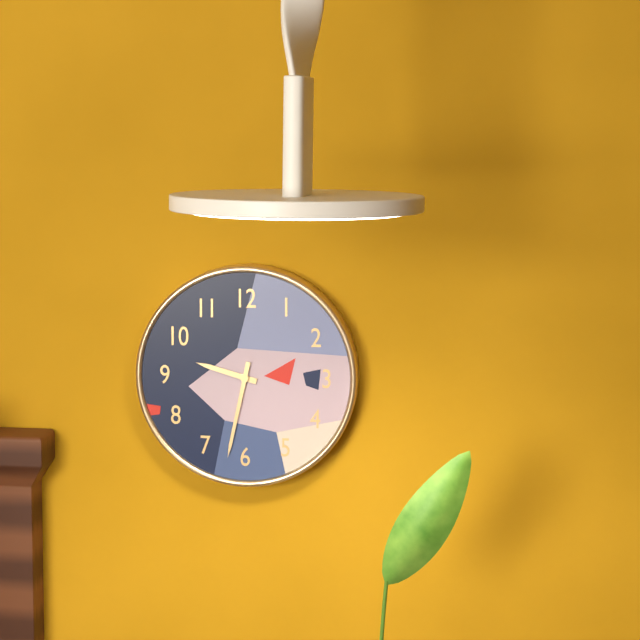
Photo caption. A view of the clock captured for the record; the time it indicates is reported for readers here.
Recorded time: 9:32
